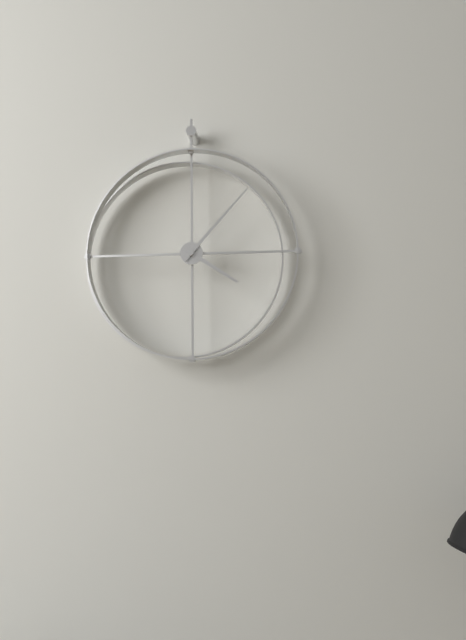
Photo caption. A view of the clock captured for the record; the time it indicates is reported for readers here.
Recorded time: 4:07
